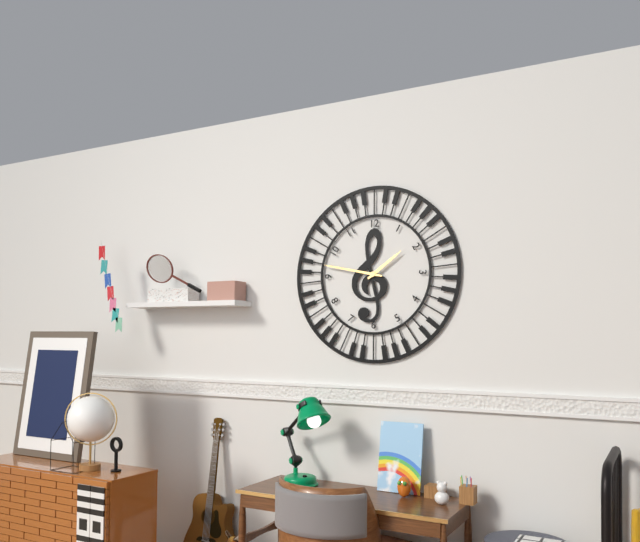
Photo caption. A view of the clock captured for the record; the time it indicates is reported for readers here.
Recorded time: 1:47
